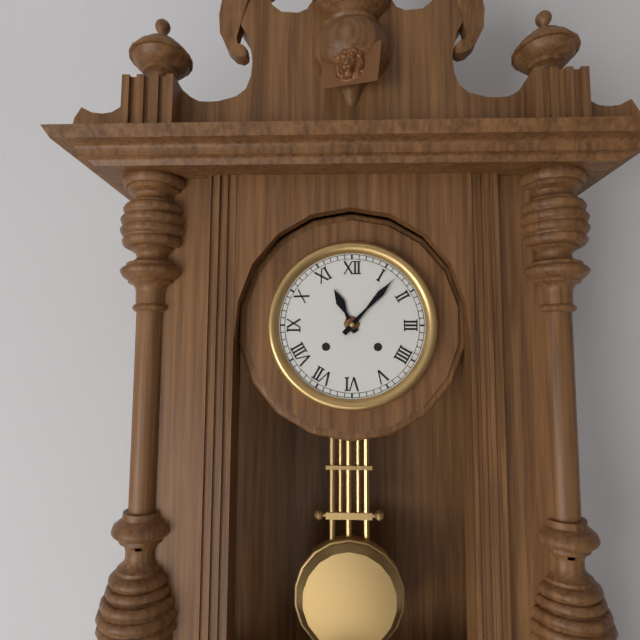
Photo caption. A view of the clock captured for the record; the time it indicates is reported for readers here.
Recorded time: 11:07
